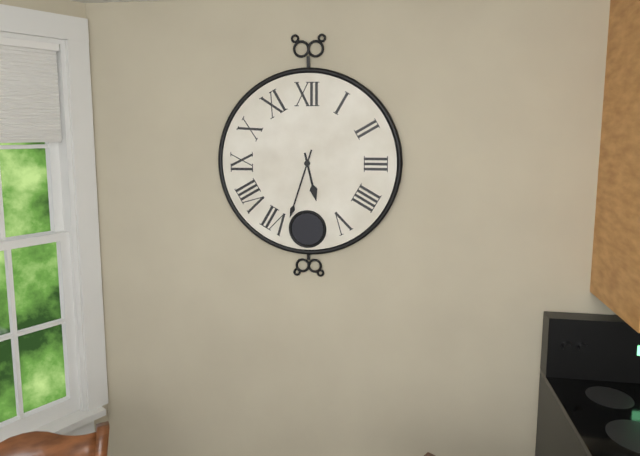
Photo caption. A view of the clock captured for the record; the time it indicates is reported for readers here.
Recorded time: 5:33
